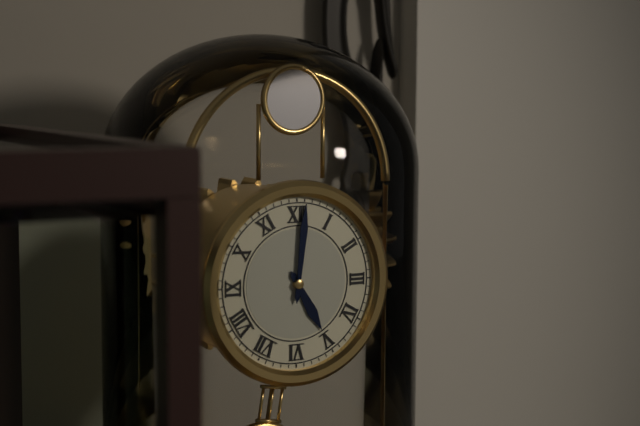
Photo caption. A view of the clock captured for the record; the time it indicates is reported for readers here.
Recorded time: 5:01
